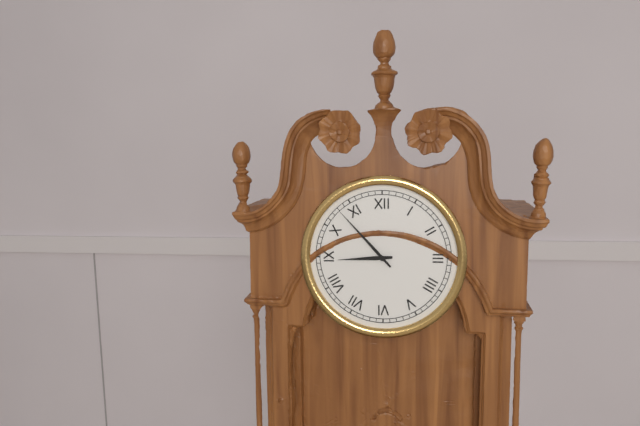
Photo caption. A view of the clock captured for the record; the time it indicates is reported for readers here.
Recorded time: 8:53
